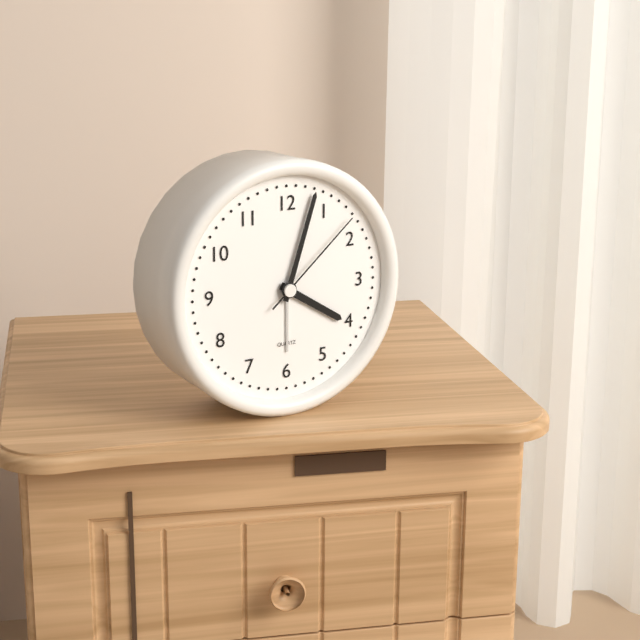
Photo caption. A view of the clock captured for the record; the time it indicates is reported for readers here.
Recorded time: 4:03:08
